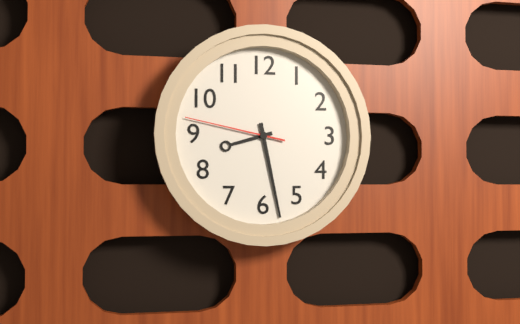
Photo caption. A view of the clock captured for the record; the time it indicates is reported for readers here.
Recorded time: 8:28:47
